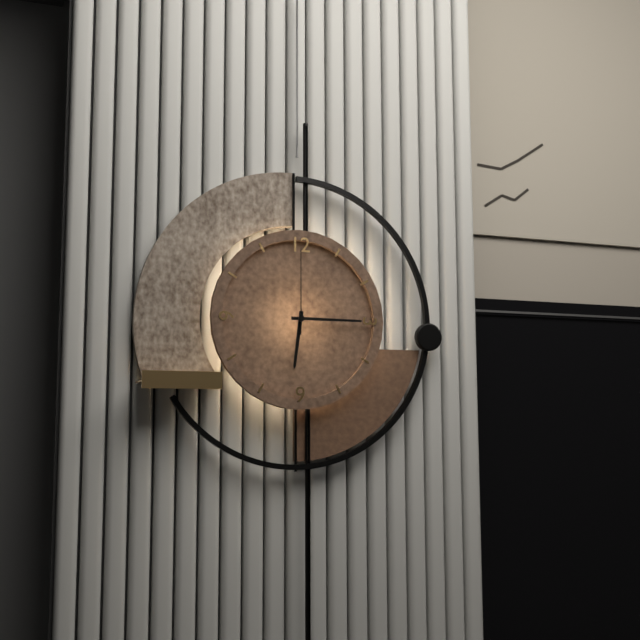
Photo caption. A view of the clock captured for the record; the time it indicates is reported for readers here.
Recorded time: 6:15:00
